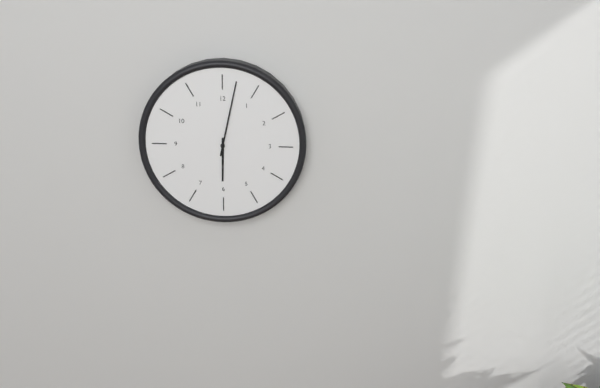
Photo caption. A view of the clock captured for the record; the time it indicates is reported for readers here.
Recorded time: 6:02
